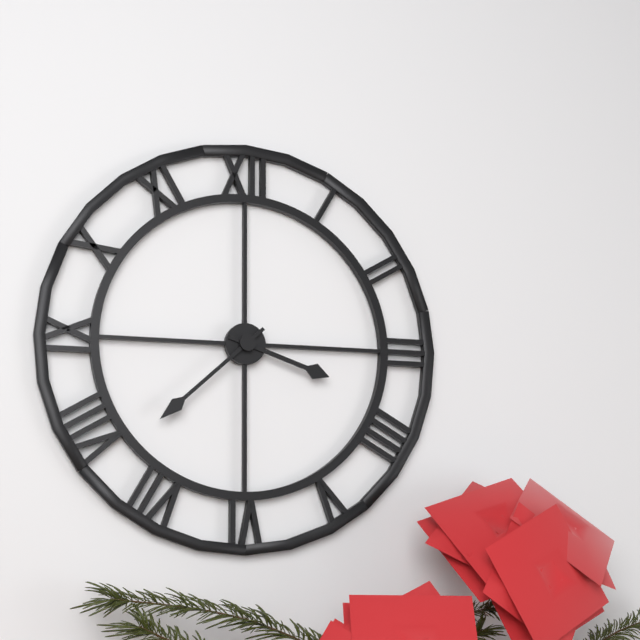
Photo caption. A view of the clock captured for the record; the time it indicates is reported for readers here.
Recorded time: 3:38
